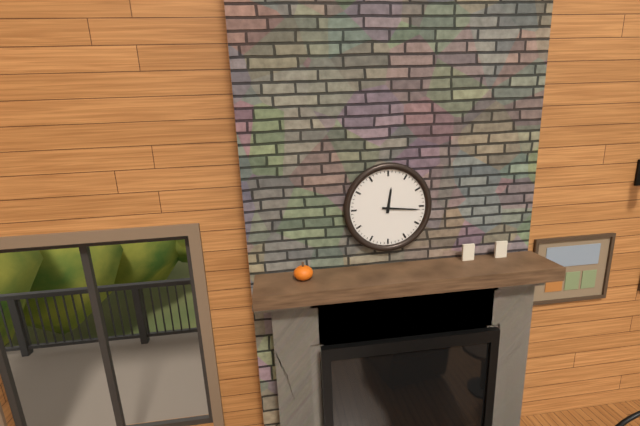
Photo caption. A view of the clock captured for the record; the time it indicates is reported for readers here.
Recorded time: 12:16
